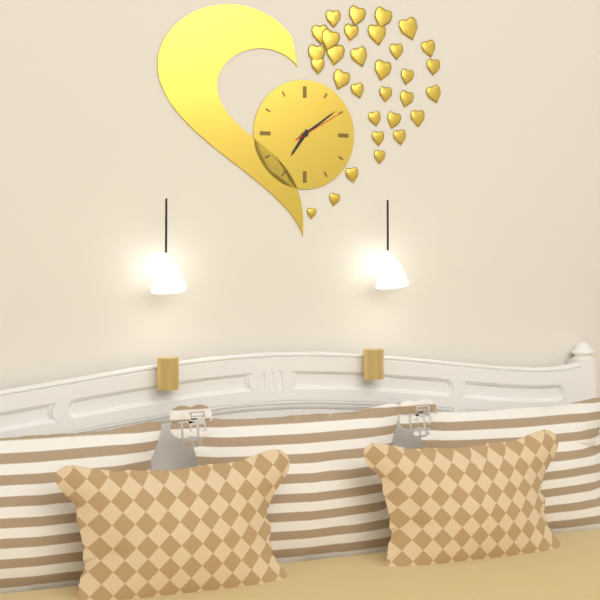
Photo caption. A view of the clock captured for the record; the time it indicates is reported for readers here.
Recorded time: 7:09:10
